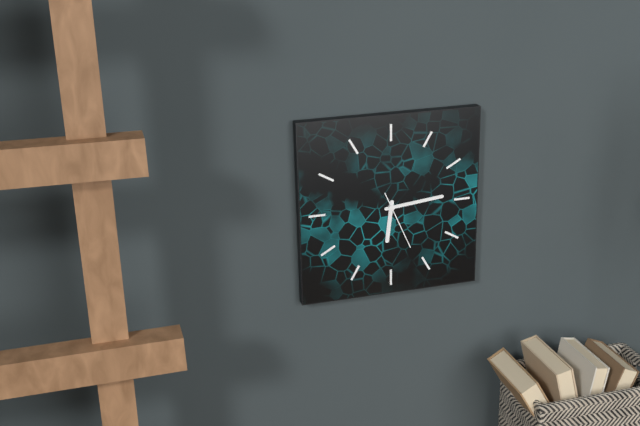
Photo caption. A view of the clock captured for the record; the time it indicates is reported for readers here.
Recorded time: 6:14:26
